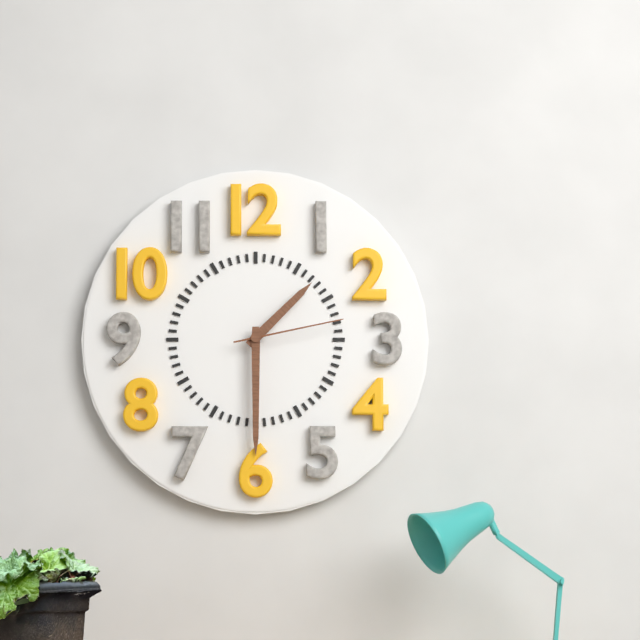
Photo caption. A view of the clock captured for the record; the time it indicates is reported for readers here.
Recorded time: 1:30:13
